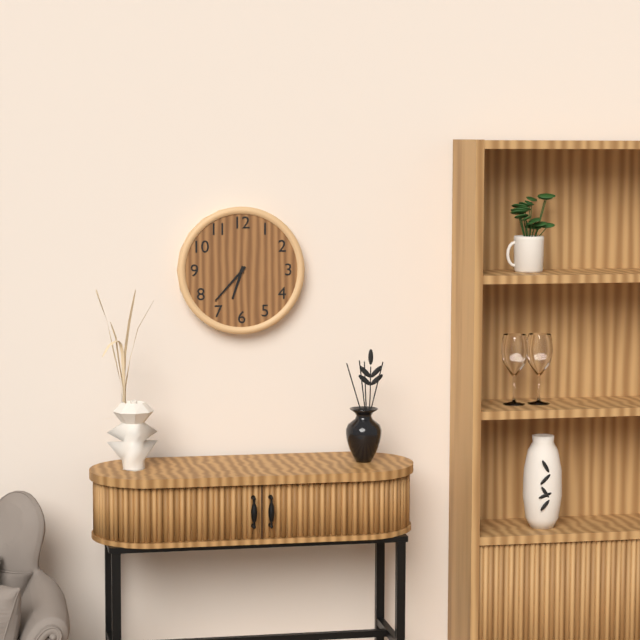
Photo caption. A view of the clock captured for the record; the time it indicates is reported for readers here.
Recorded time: 6:37
